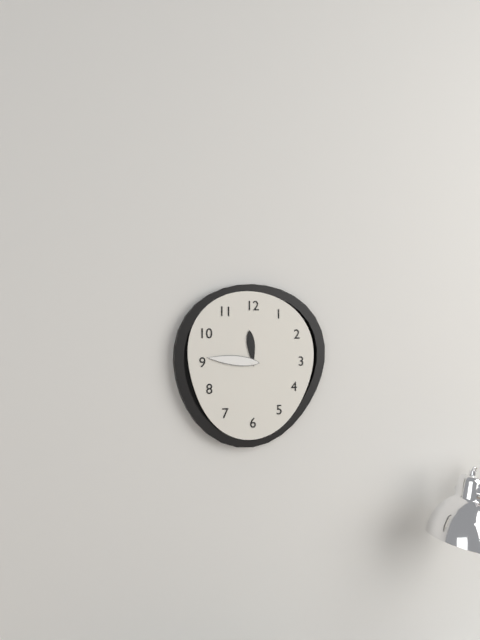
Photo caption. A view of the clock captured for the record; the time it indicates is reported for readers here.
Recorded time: 11:46
